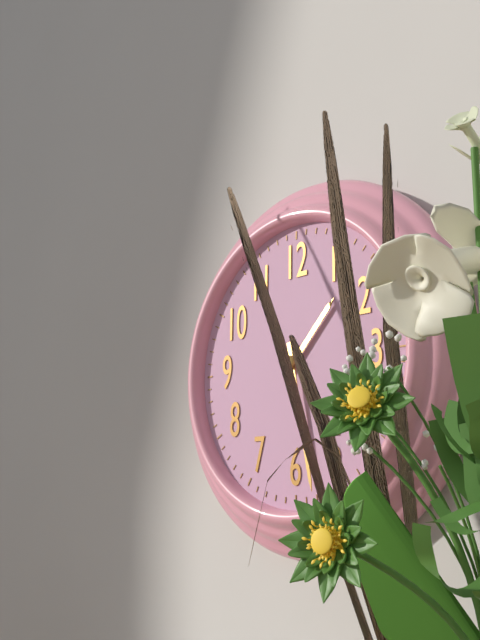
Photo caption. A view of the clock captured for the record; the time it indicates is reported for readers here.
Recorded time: 1:28
